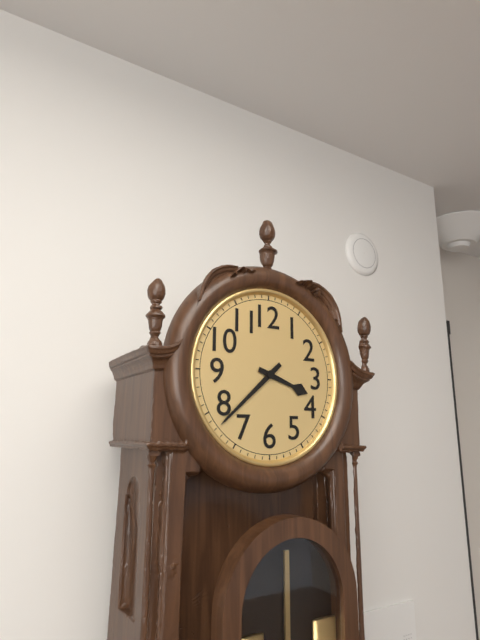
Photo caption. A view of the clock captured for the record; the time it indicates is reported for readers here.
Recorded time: 3:38
